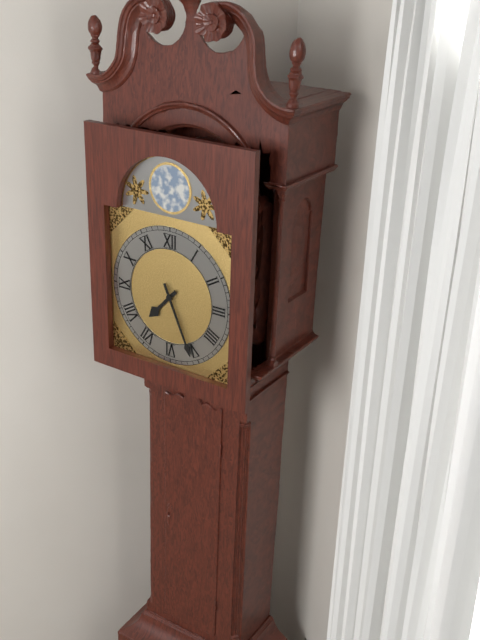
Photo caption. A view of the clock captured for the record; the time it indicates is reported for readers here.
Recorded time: 7:26
